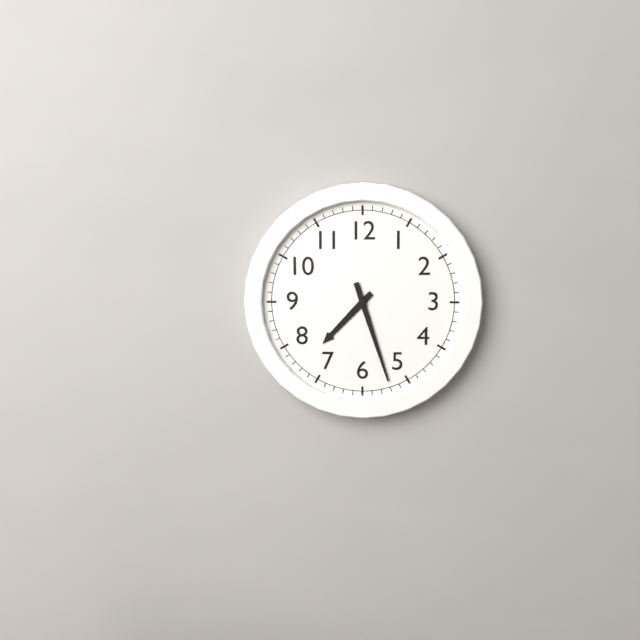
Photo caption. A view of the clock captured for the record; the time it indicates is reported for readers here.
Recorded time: 7:27
